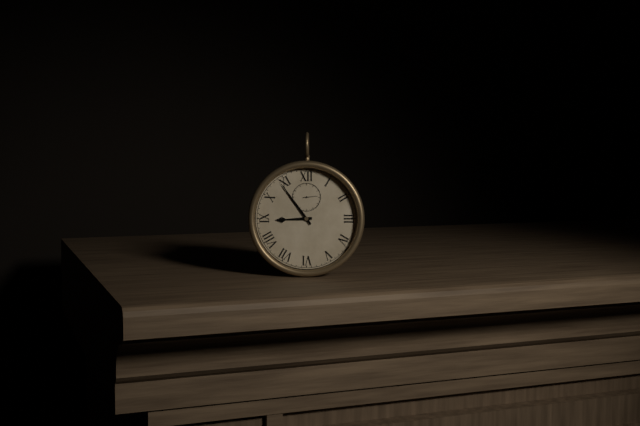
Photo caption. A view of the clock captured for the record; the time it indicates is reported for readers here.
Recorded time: 8:54
